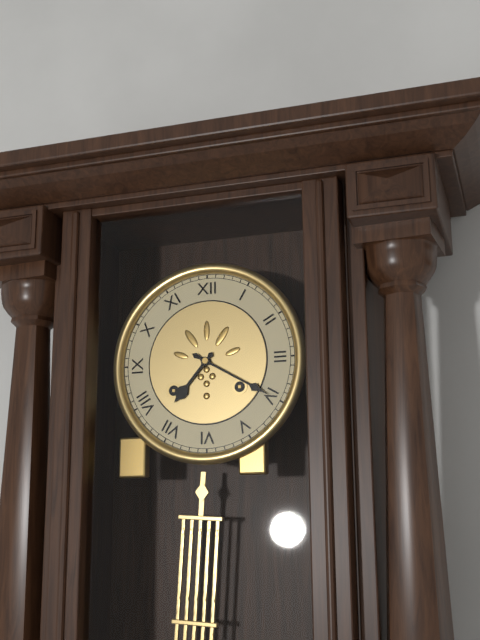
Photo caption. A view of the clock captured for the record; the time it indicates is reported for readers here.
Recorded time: 7:20
